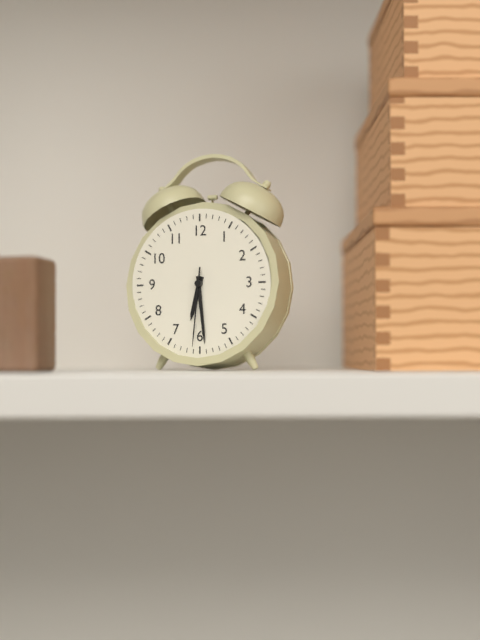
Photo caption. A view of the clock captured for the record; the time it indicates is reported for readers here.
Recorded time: 6:29:31
